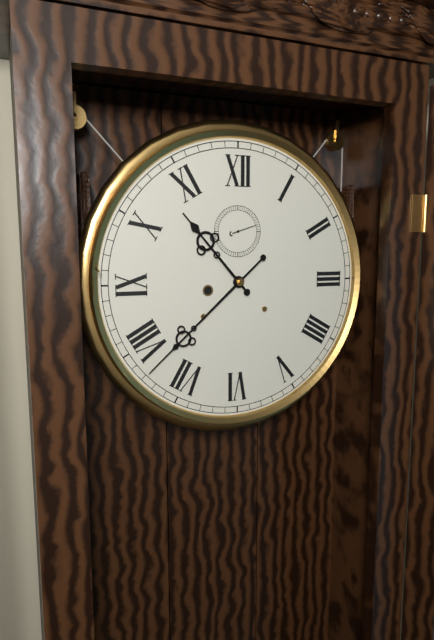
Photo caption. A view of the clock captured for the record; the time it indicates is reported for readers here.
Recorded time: 10:38
